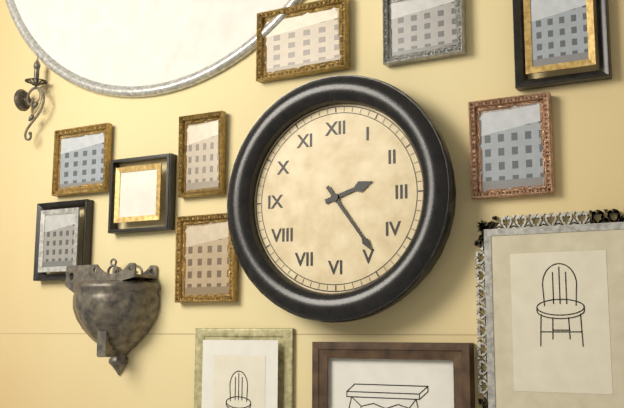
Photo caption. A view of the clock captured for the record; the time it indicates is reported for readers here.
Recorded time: 2:24
